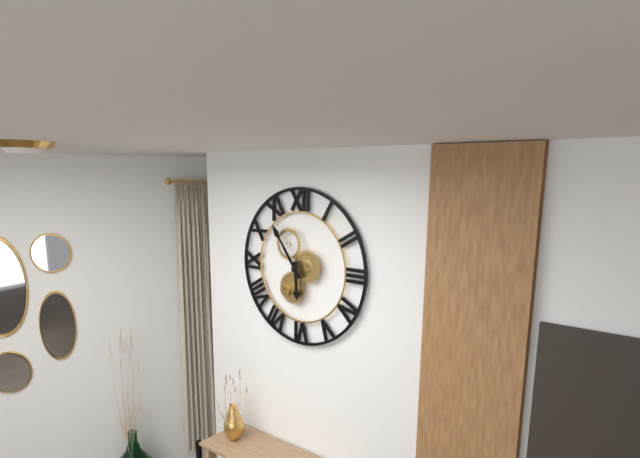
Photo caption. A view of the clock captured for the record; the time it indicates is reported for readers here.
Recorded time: 5:54
